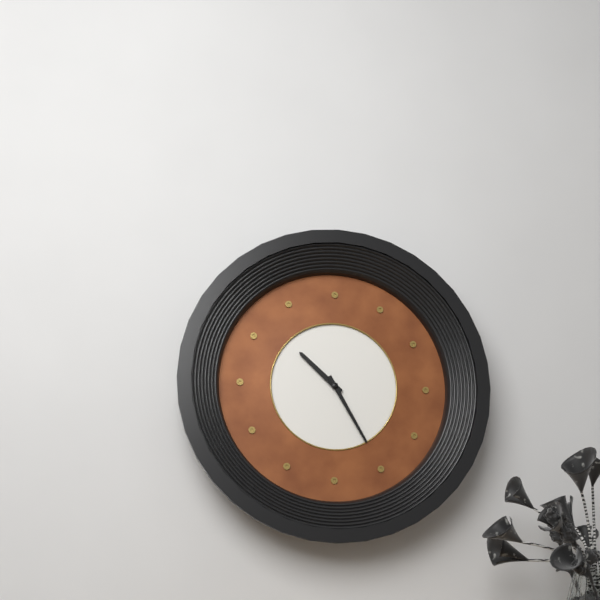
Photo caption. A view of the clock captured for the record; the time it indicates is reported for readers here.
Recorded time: 10:25
